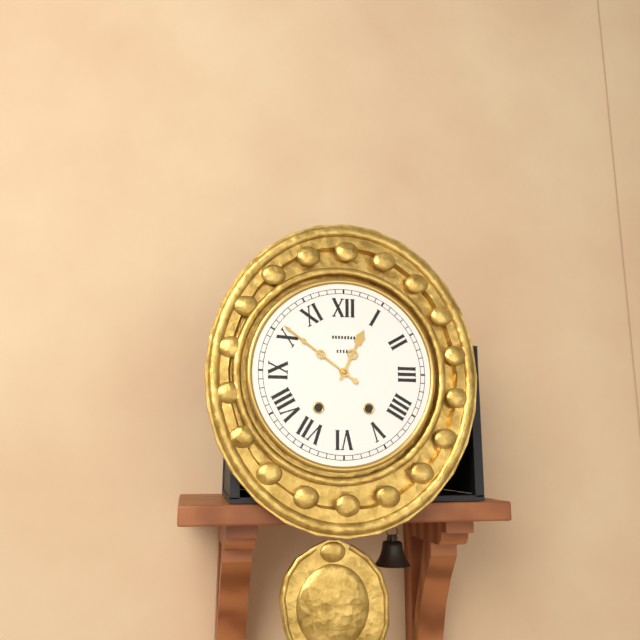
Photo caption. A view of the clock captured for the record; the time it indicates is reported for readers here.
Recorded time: 12:51
